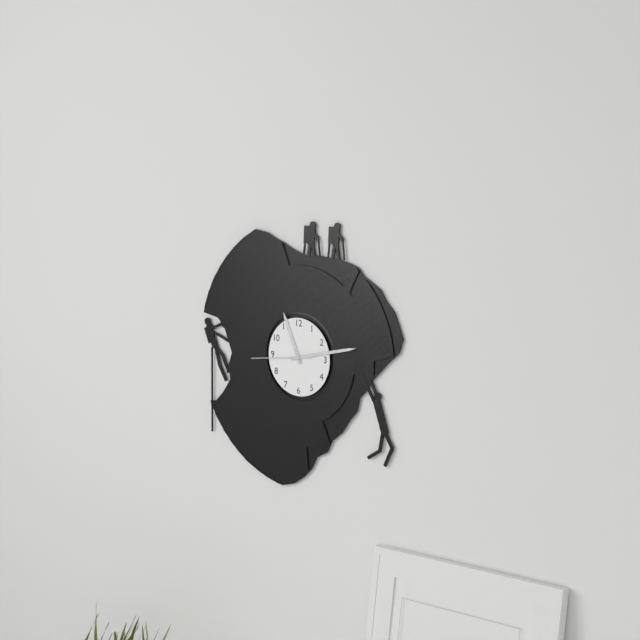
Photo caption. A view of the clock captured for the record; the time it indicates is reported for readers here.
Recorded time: 11:13:44
